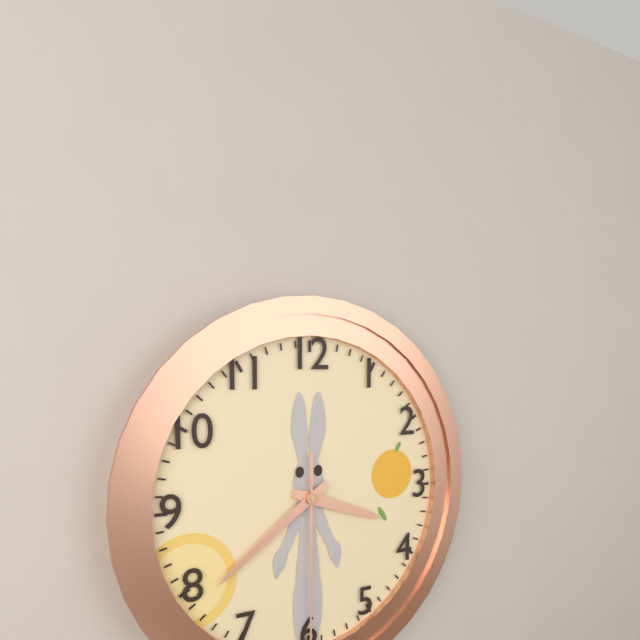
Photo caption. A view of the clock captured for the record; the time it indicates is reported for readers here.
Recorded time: 3:39
